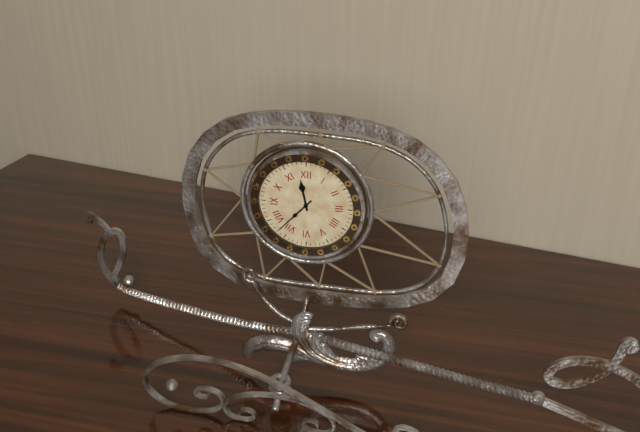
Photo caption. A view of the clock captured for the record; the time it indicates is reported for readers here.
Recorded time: 11:37
